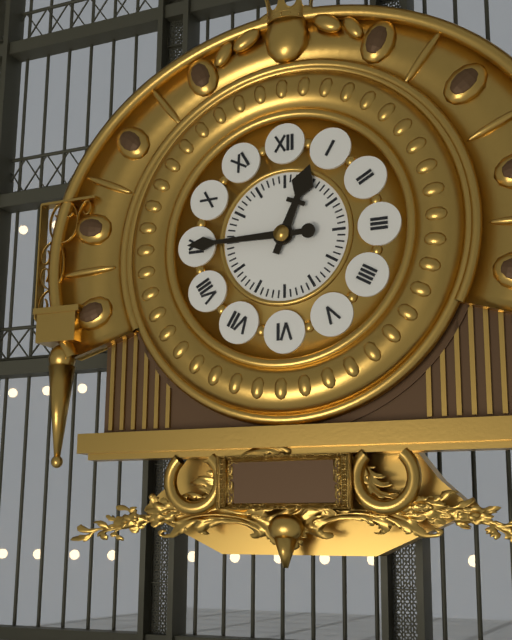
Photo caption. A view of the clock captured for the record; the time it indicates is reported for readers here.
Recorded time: 12:45
